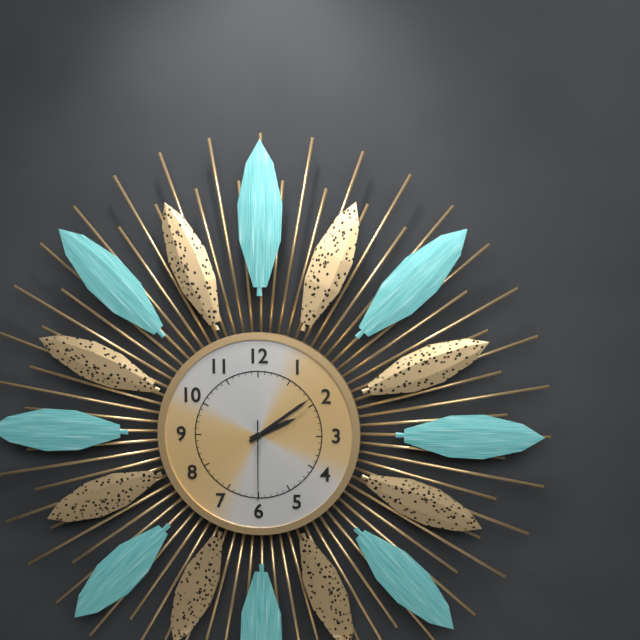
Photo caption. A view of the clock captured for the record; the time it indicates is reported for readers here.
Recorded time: 2:09:30
